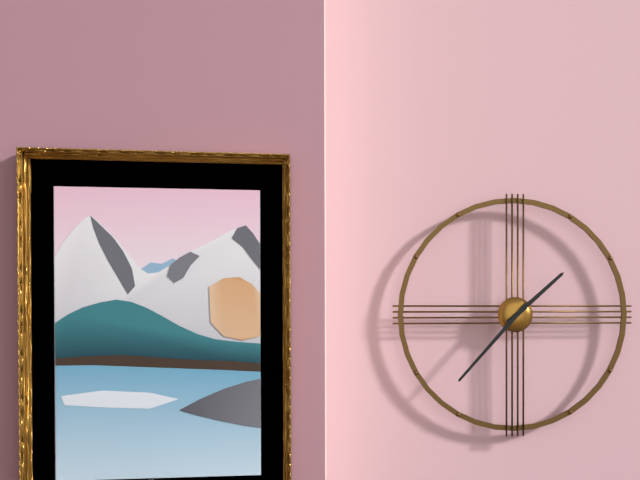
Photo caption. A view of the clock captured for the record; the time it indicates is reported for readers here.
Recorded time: 1:37
